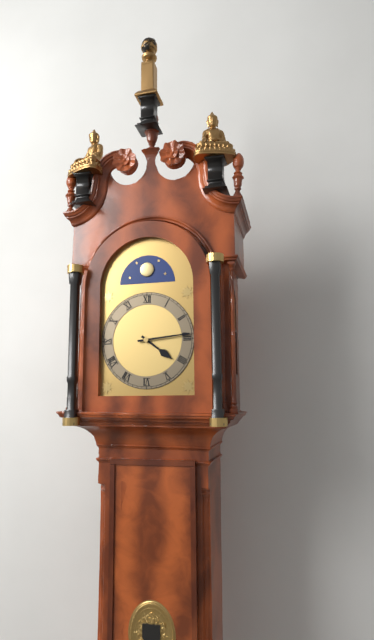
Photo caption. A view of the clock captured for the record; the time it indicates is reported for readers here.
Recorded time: 4:14
